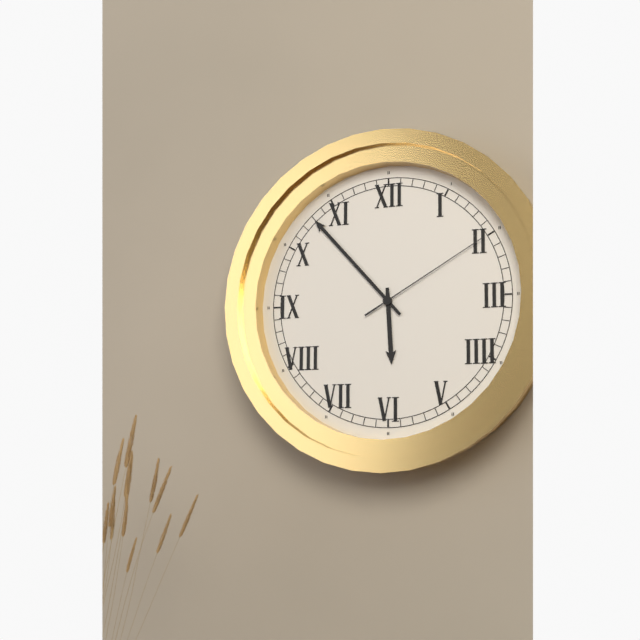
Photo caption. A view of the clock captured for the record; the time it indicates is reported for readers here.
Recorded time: 5:53:10
